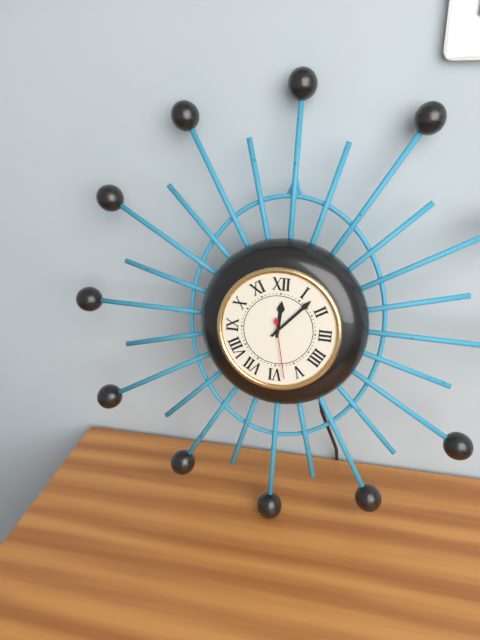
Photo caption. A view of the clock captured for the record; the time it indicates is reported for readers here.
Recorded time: 12:07:28
